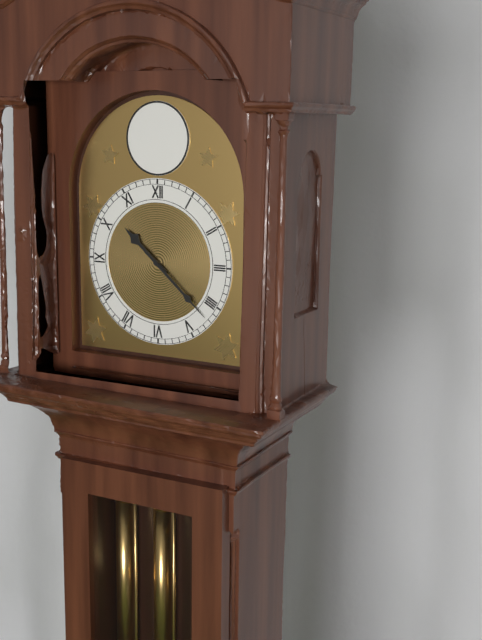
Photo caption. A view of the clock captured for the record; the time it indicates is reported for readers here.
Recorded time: 10:22
